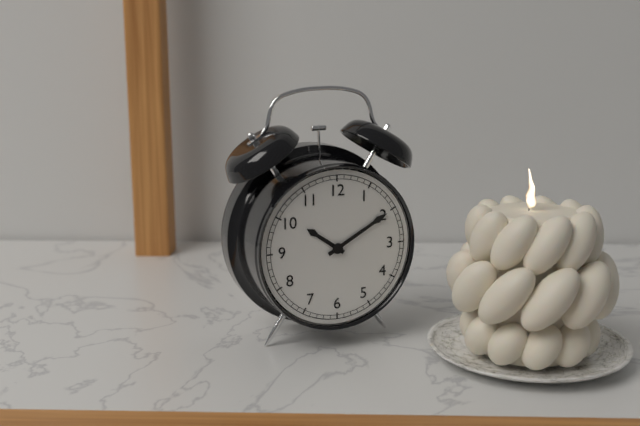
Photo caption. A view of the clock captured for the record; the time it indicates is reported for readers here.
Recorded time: 10:10
